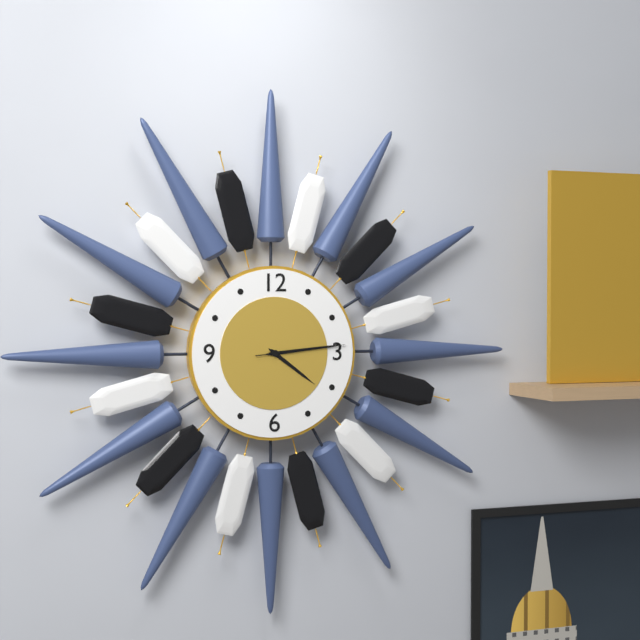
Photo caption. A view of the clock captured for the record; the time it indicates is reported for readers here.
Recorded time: 4:14:14
